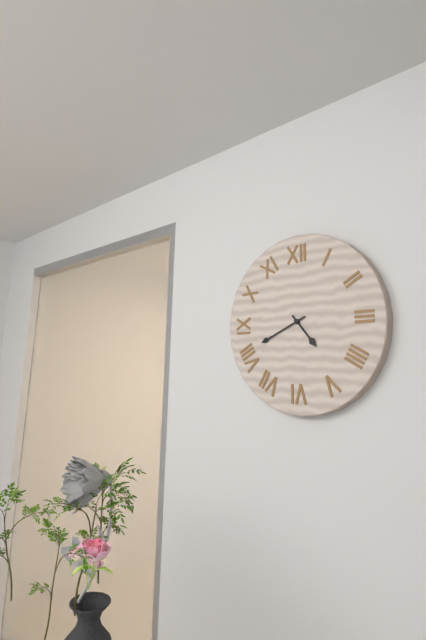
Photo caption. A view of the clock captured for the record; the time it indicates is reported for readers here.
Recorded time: 4:41
